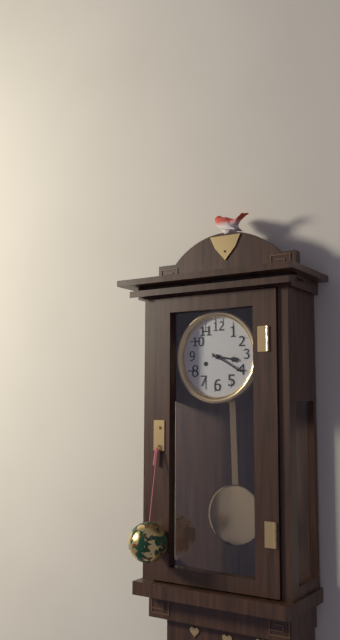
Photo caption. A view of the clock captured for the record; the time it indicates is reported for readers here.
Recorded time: 3:20
